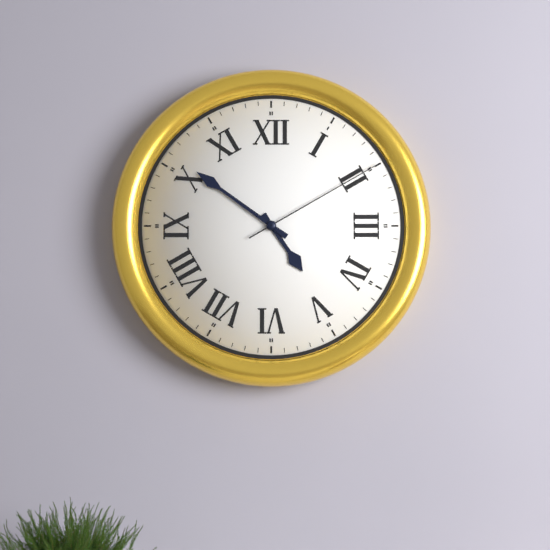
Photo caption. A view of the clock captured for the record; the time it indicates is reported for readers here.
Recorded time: 4:51:10
